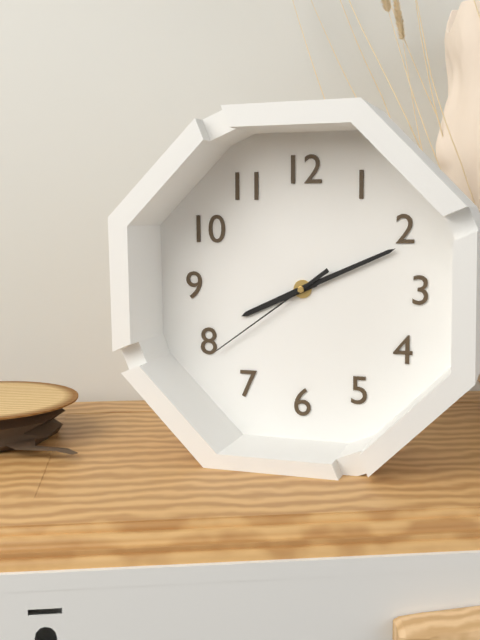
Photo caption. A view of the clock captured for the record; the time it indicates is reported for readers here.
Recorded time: 8:11:39
